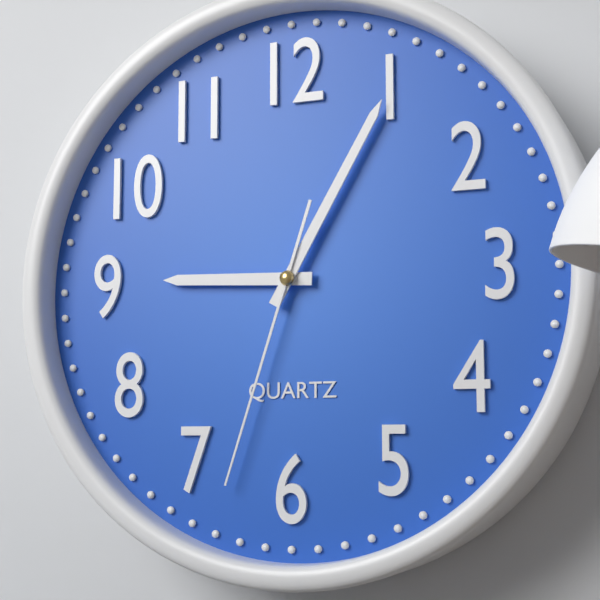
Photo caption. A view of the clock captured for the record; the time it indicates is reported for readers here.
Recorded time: 9:05:33
